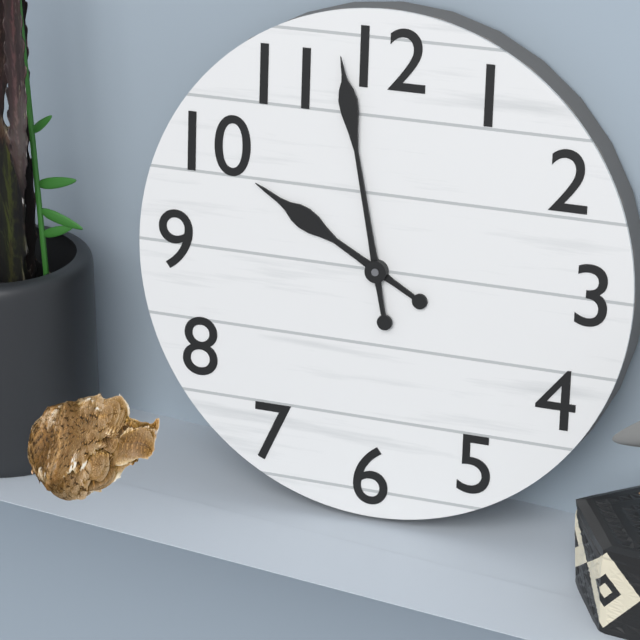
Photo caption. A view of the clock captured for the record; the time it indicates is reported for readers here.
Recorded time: 9:58
